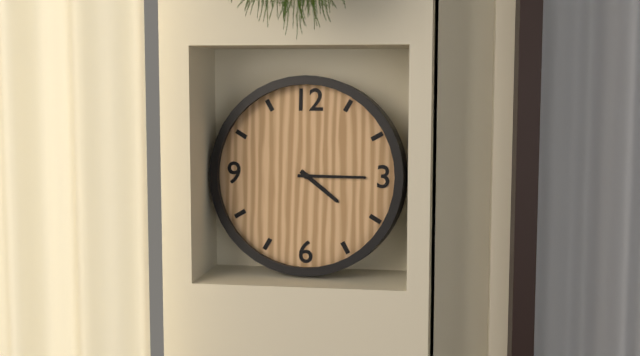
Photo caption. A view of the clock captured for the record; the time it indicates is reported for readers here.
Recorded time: 4:15
